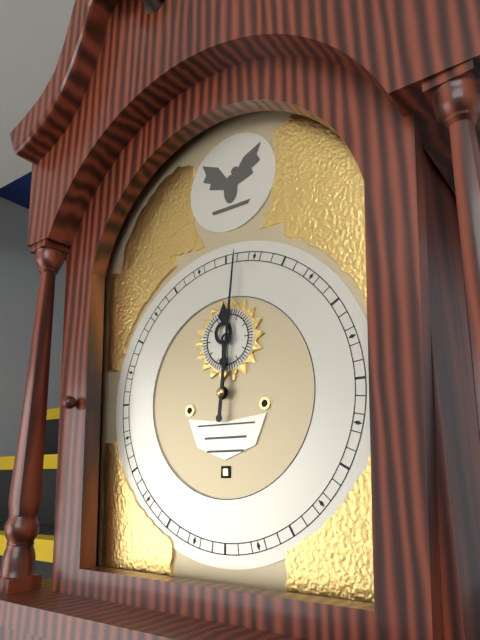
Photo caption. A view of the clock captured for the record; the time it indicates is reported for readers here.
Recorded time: 12:01
